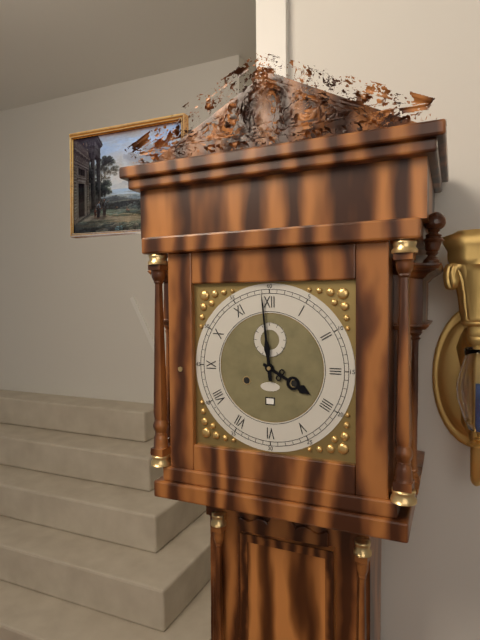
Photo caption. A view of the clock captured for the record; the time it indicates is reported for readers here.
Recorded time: 3:59
